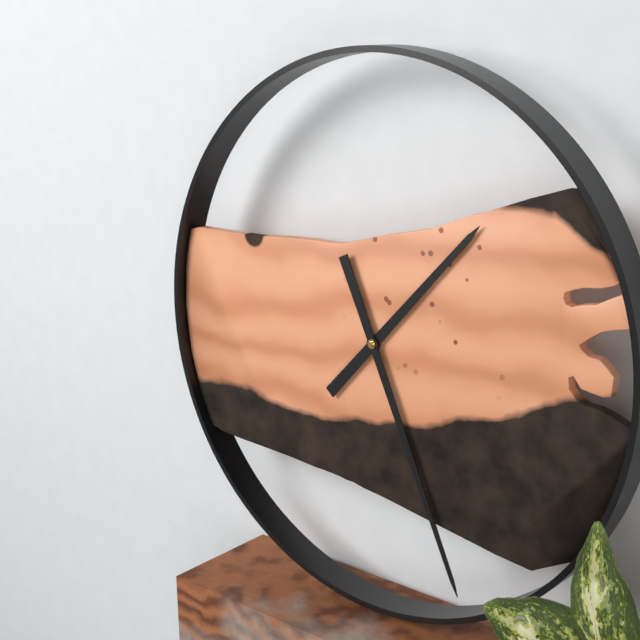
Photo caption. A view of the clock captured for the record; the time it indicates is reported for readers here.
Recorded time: 1:26
